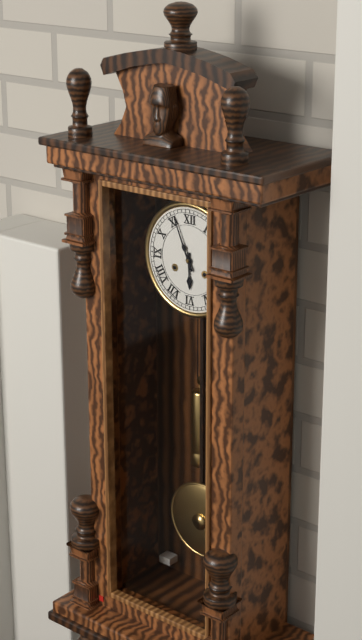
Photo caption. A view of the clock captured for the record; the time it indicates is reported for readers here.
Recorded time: 5:56
